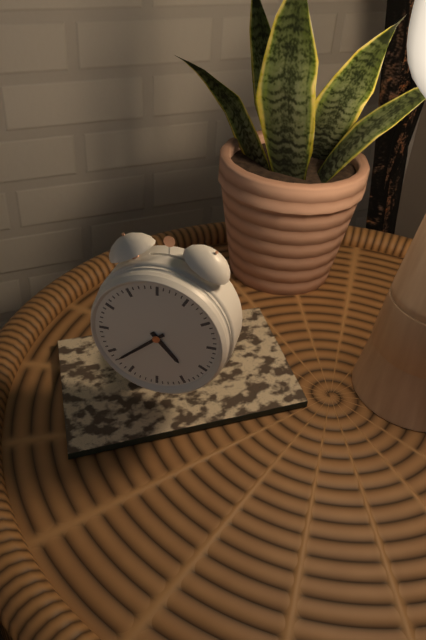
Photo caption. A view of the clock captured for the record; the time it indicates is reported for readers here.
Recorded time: 4:38
